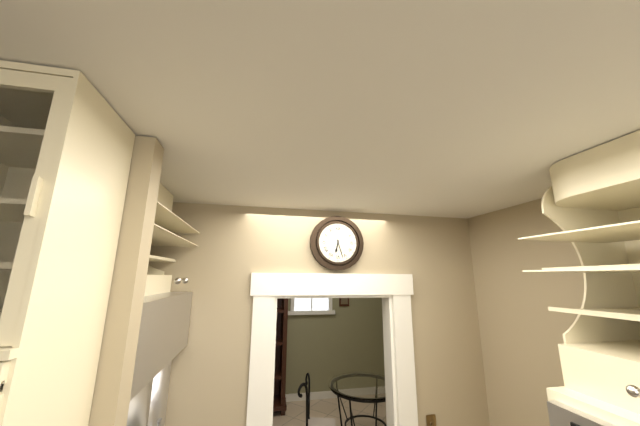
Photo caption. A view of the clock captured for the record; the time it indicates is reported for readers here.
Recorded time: 6:27
